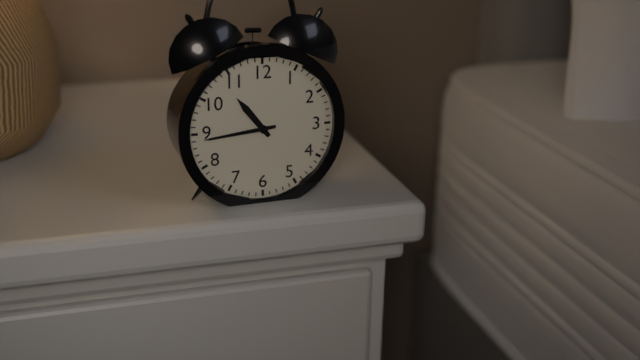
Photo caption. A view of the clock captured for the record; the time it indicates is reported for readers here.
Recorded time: 10:44
